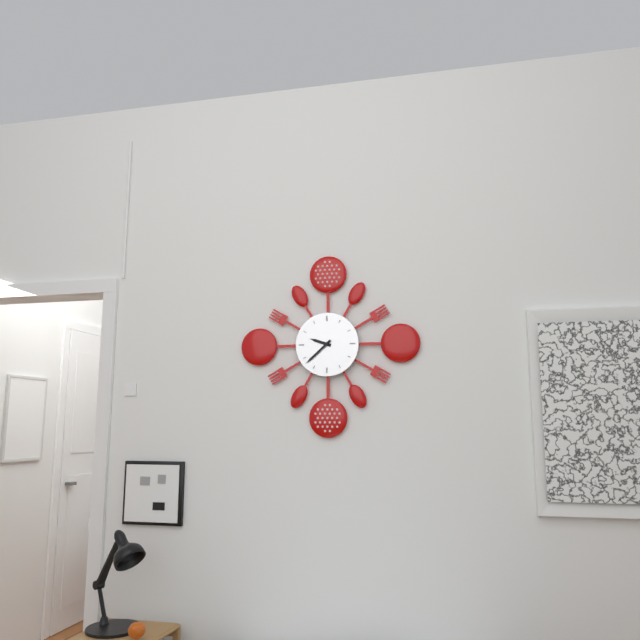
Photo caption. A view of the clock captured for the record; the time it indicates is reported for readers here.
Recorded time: 9:38
